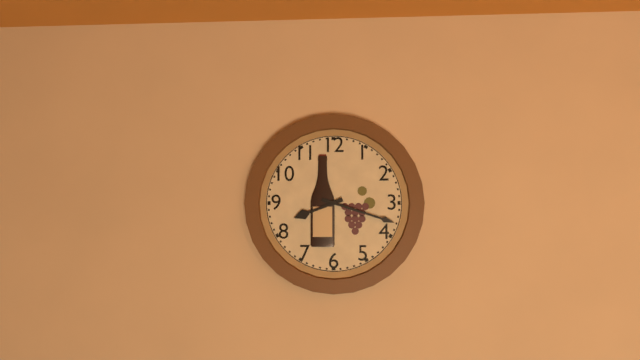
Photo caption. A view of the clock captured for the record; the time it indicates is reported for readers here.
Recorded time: 8:18
